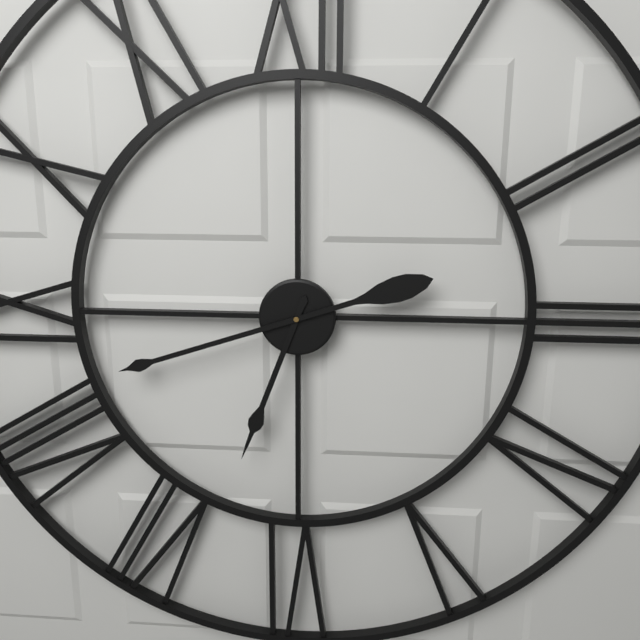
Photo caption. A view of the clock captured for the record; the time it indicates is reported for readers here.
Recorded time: 6:42
